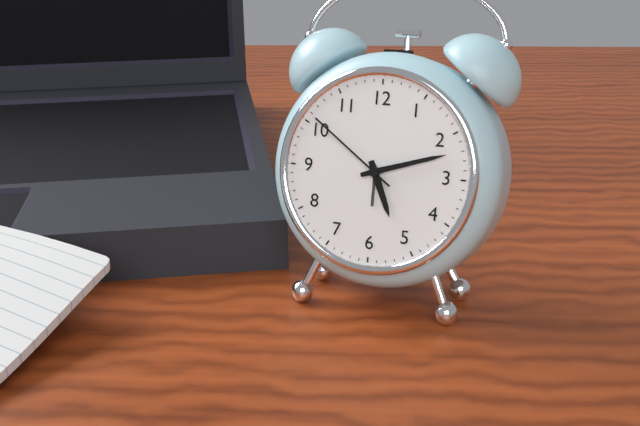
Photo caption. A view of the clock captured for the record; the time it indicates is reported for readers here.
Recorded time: 5:12:51
